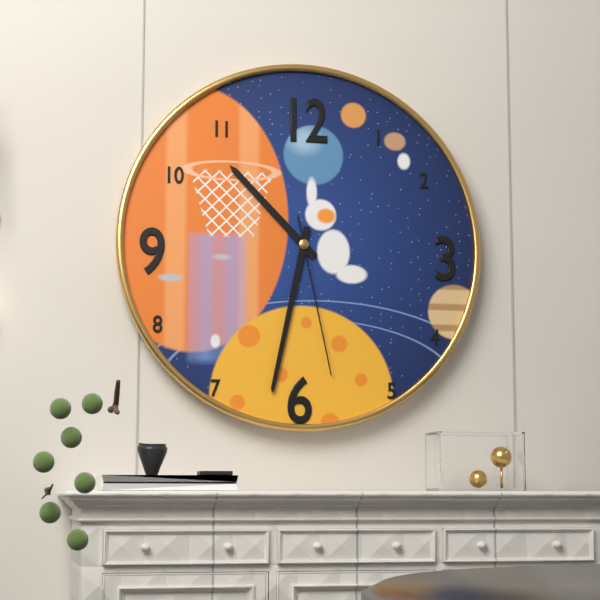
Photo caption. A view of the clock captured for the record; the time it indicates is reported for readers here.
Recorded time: 10:32:28
